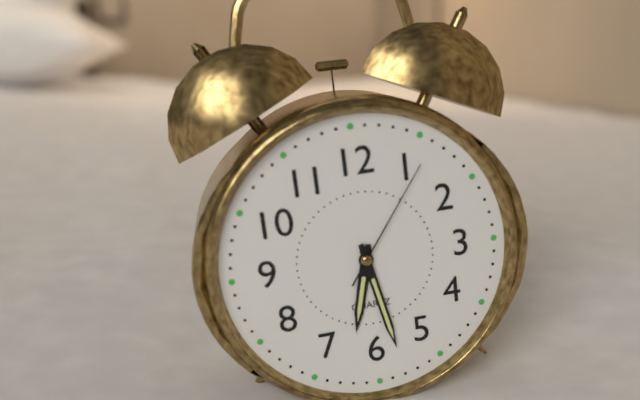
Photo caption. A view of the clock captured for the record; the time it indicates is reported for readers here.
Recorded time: 6:28:06
